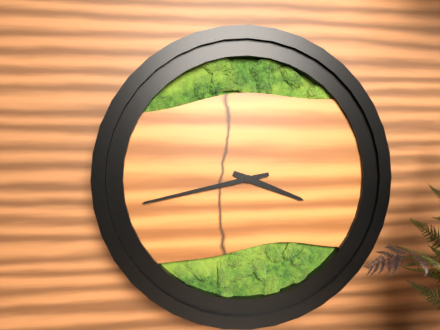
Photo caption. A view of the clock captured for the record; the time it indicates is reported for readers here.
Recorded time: 3:43
